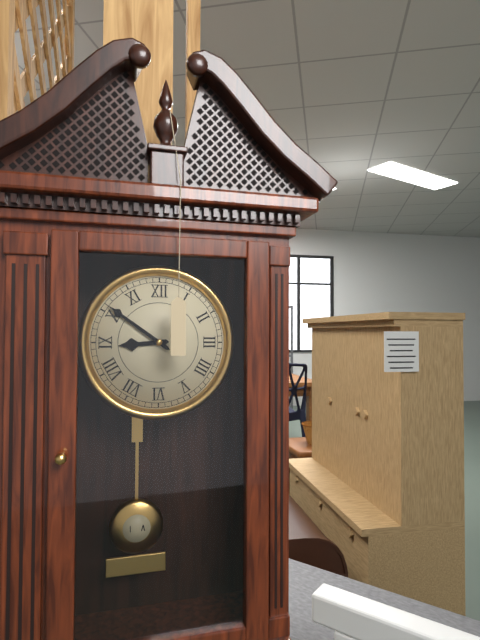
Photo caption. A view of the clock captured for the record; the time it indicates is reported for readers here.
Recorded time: 8:51
